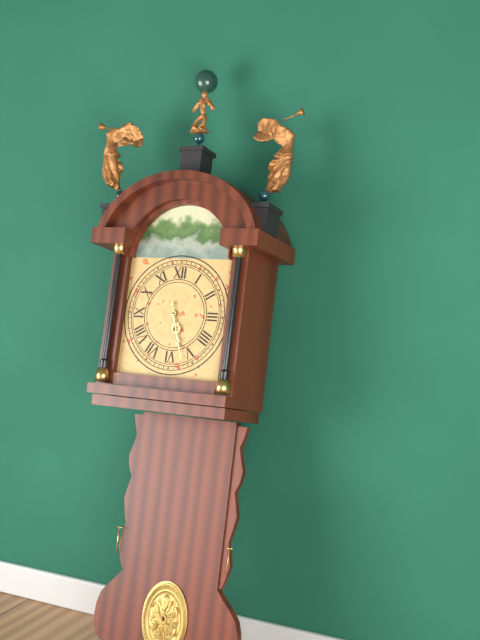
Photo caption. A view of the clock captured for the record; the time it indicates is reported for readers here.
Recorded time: 5:27
